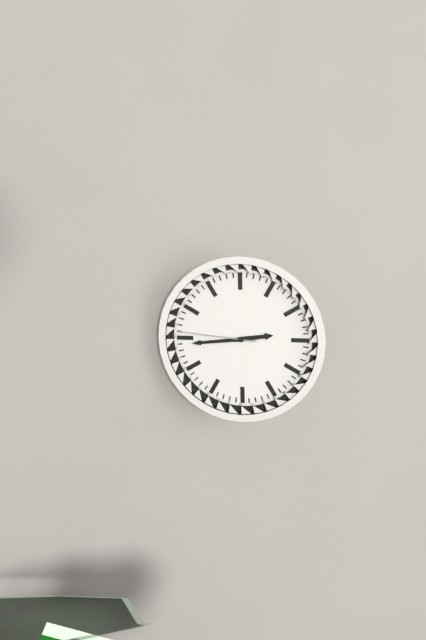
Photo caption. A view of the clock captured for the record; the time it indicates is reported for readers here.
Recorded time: 2:44:46
